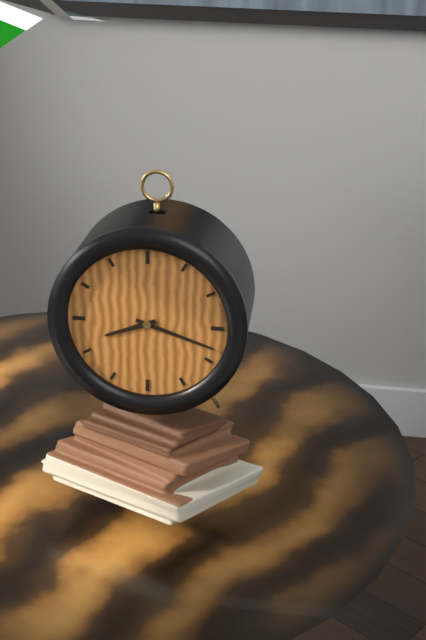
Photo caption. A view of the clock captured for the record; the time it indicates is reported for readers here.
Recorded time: 8:18
